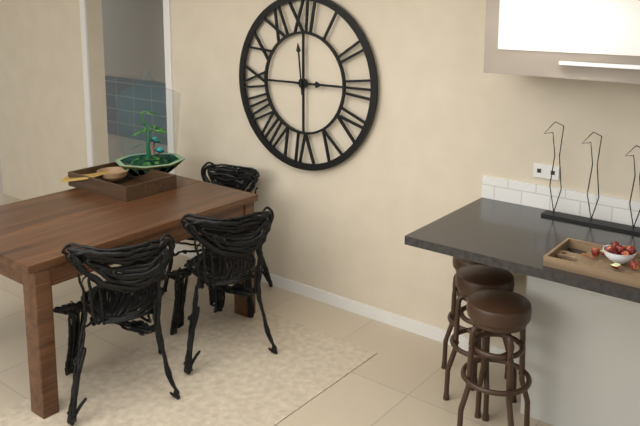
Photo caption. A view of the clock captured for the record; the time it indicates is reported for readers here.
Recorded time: 2:59
